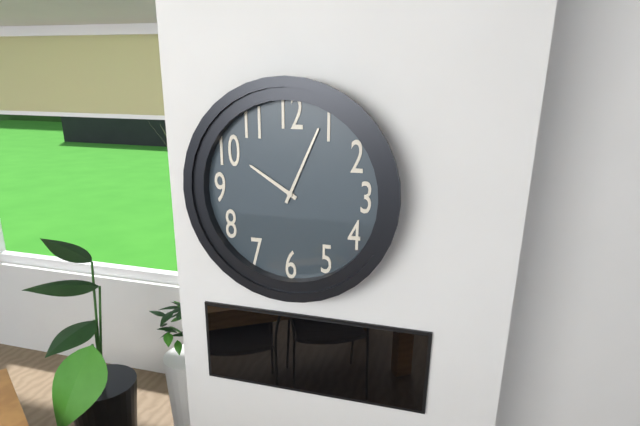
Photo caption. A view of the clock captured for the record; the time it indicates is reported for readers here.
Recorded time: 10:04
